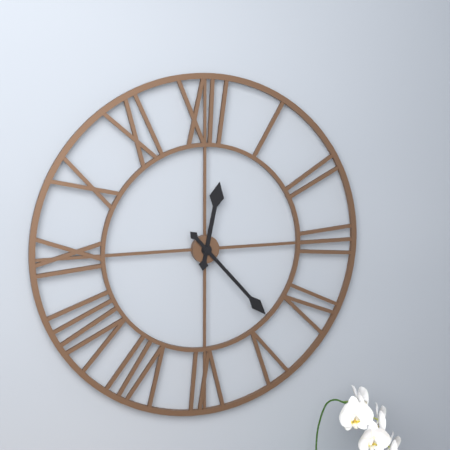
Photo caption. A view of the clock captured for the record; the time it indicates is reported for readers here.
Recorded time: 12:23
